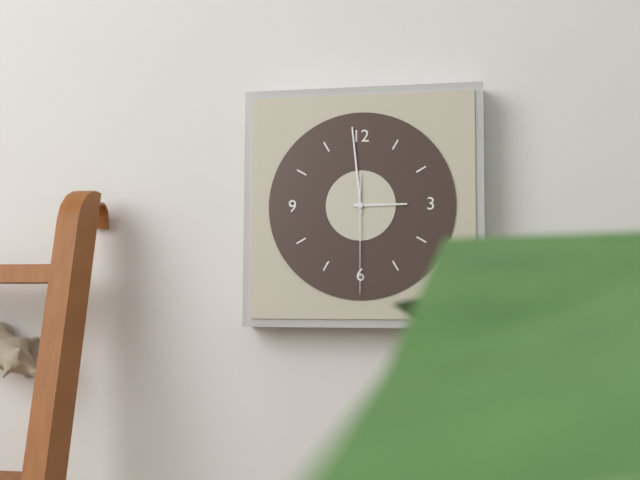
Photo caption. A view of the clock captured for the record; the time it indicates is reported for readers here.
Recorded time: 2:59:30
